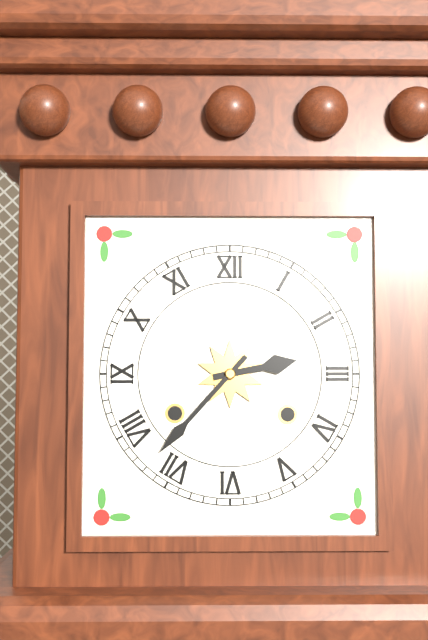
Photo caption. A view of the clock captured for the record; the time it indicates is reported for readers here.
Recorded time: 2:37
